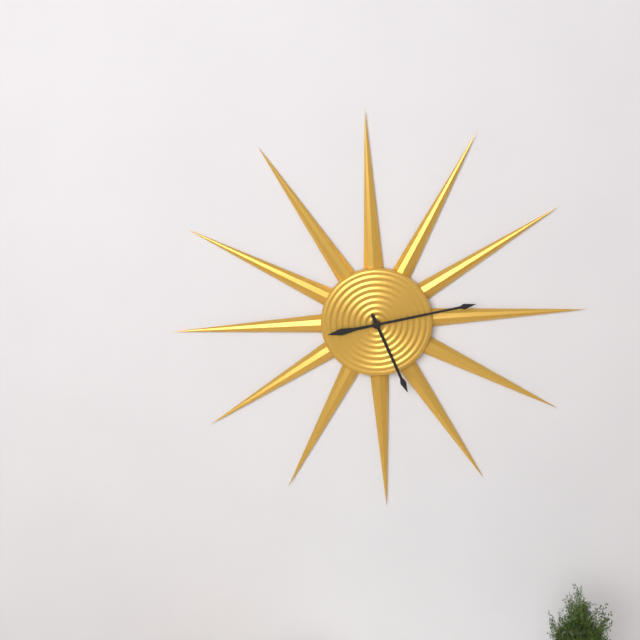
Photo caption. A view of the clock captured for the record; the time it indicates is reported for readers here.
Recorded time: 5:13
